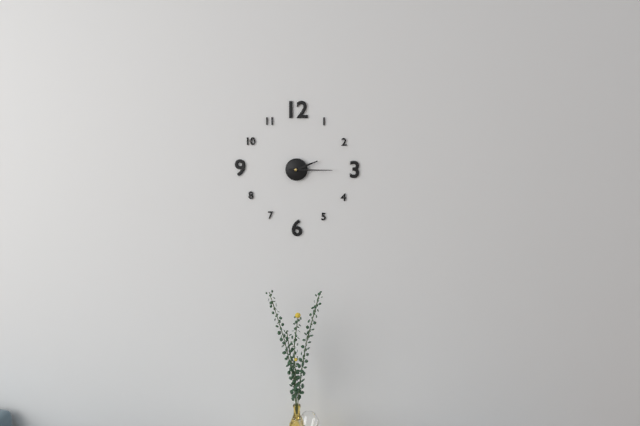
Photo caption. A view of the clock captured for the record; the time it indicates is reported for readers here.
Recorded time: 2:15
